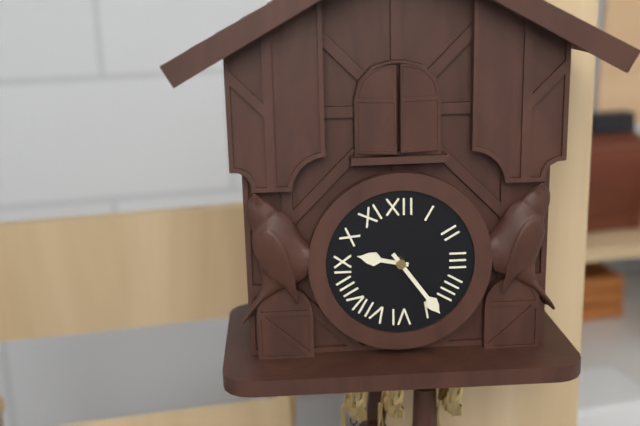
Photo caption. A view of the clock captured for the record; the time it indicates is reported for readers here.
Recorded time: 9:24
